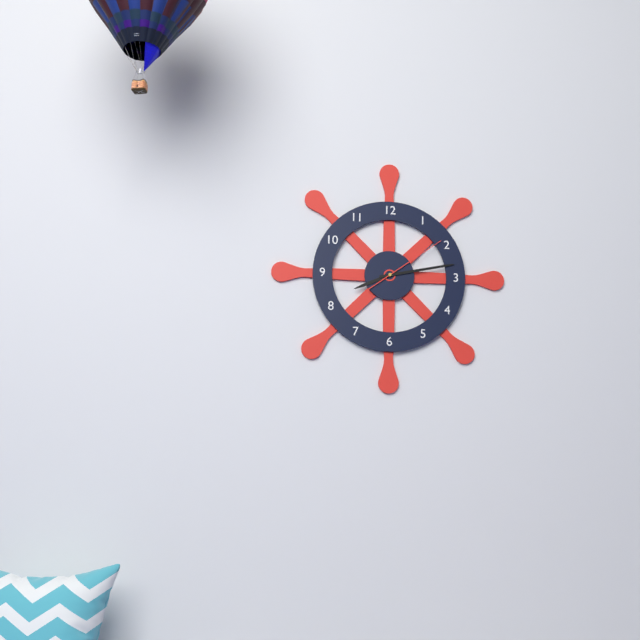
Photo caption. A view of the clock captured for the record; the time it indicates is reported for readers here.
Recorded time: 8:13:09
